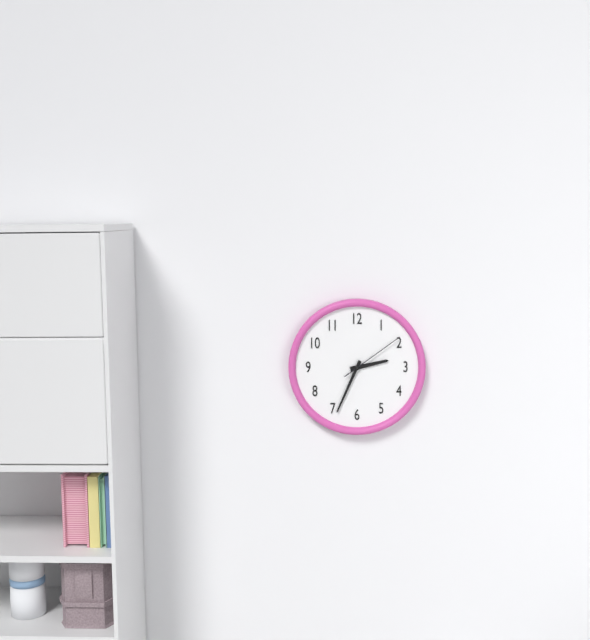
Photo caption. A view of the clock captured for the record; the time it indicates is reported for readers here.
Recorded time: 2:34:09
